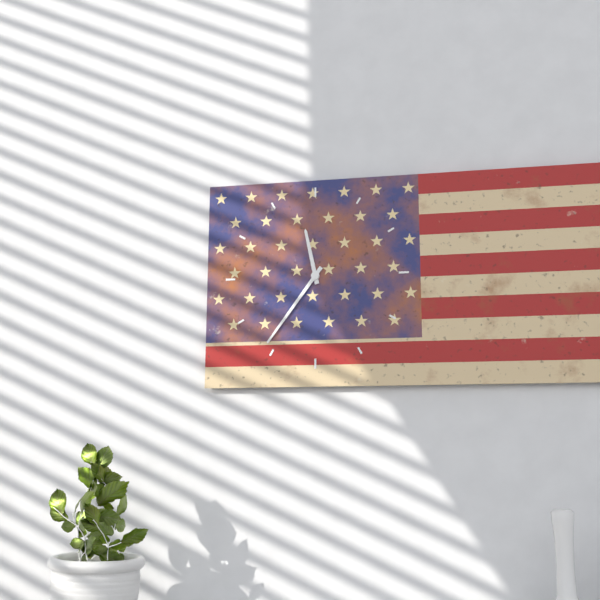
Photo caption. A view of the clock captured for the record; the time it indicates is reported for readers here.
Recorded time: 11:36
